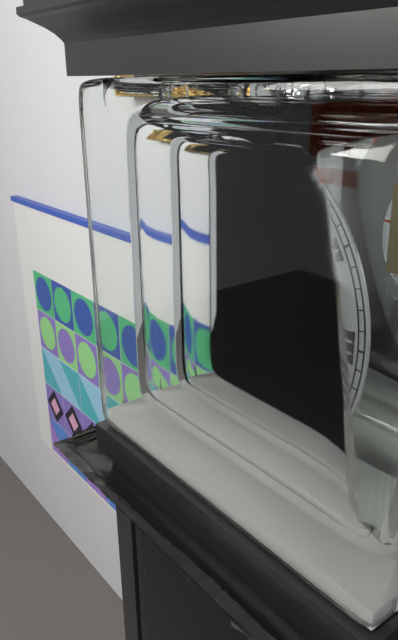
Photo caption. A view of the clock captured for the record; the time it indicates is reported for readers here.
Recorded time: 11:46
